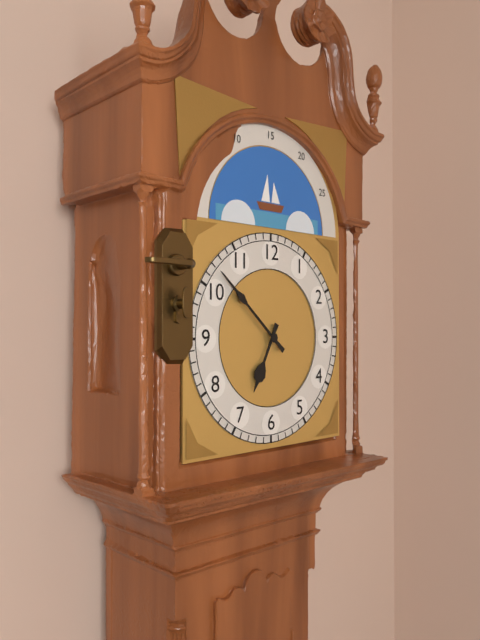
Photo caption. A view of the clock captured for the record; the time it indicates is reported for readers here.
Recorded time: 6:52
